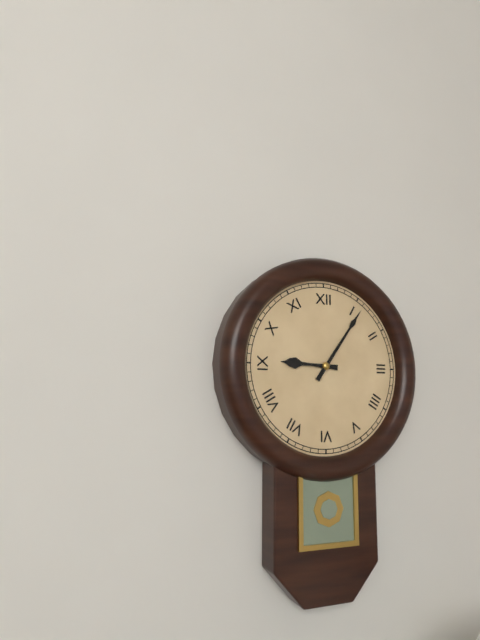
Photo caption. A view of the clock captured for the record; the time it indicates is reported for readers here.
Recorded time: 9:06
